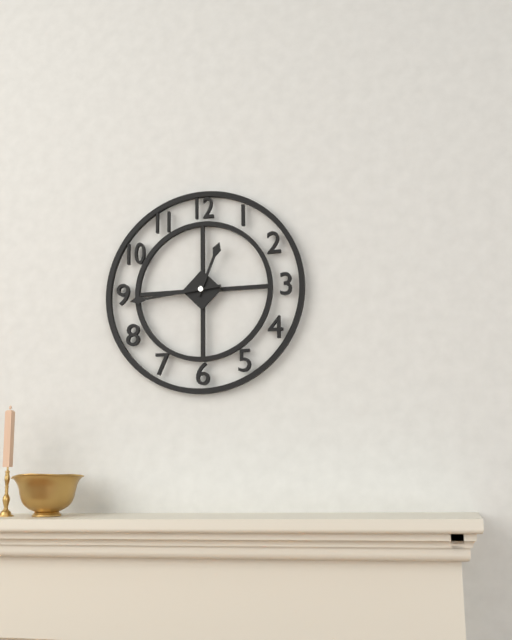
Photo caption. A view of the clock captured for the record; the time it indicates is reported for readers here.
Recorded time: 12:44
